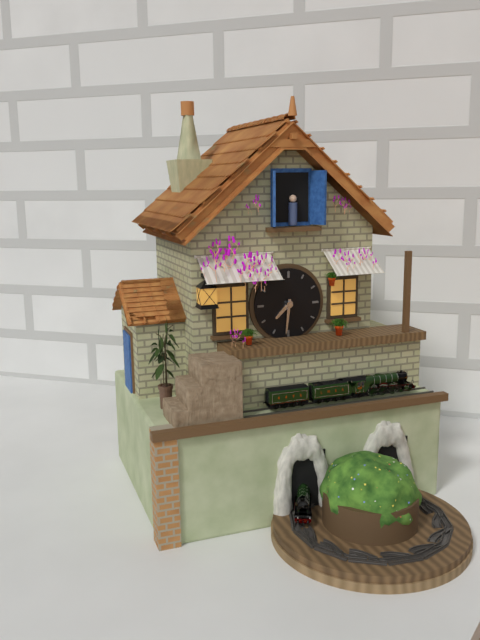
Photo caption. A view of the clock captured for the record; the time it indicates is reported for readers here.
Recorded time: 7:31
